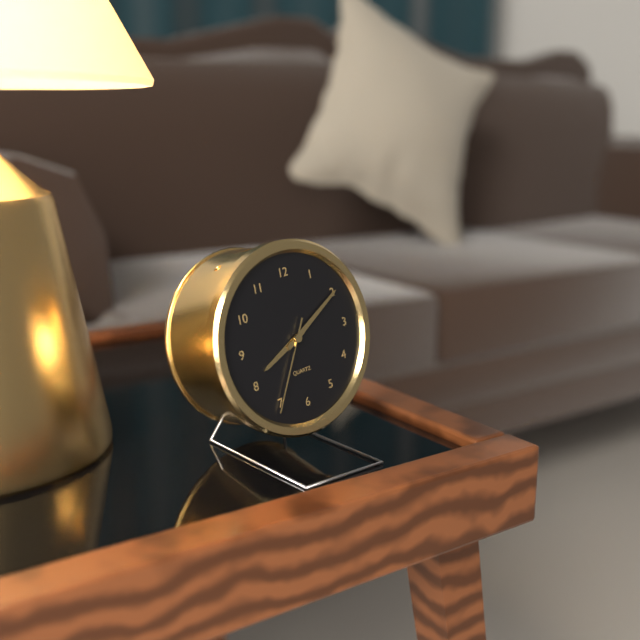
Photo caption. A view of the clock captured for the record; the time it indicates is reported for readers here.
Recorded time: 8:10:35
